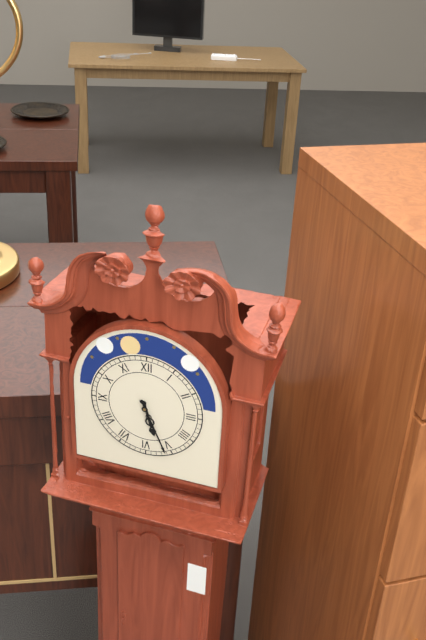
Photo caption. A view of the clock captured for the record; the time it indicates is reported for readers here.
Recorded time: 5:26
